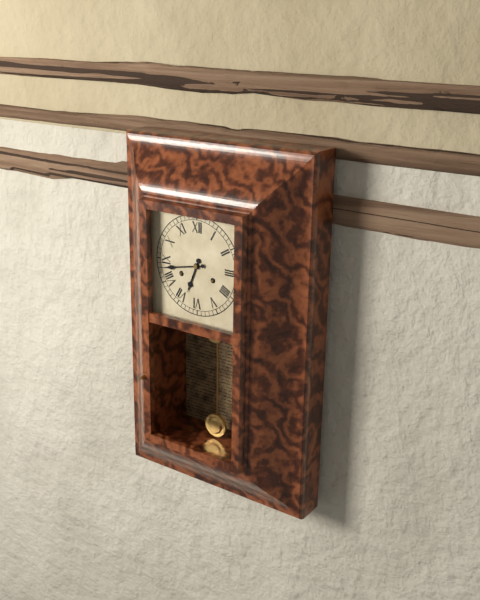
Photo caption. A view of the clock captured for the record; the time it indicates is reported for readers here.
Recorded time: 6:43
